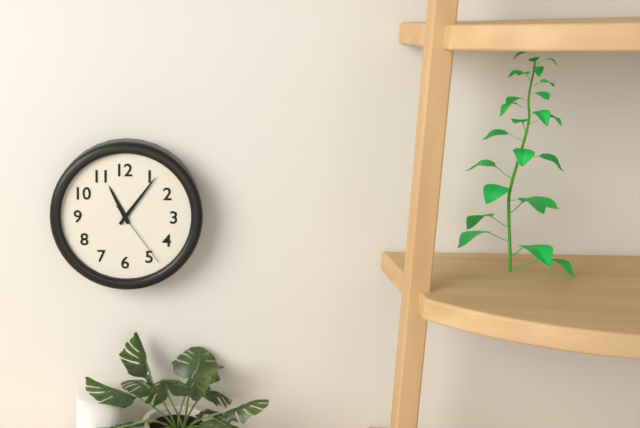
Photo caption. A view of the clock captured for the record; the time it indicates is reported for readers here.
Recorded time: 11:06:24
